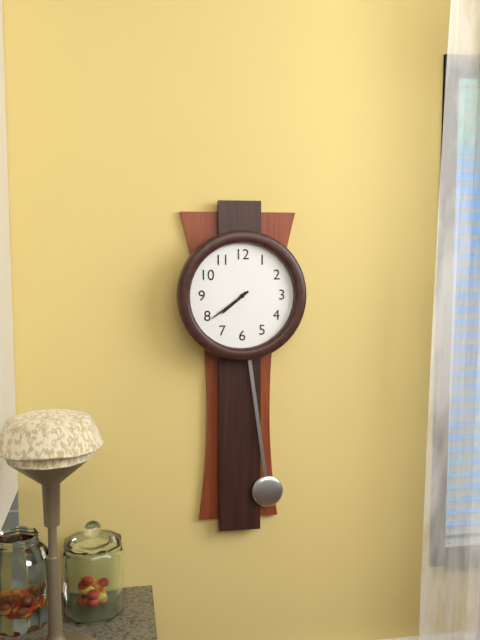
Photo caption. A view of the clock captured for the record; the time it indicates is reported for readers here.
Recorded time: 7:39
